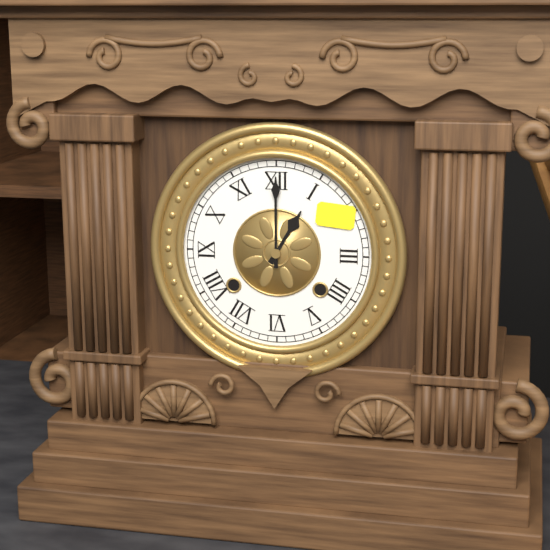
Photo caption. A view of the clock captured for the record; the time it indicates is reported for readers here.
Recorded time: 1:00
